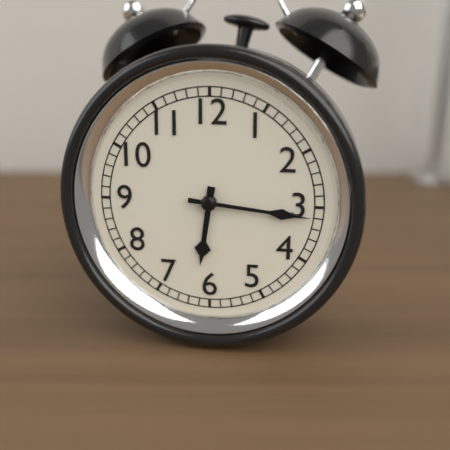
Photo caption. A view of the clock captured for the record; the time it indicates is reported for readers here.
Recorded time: 6:16
